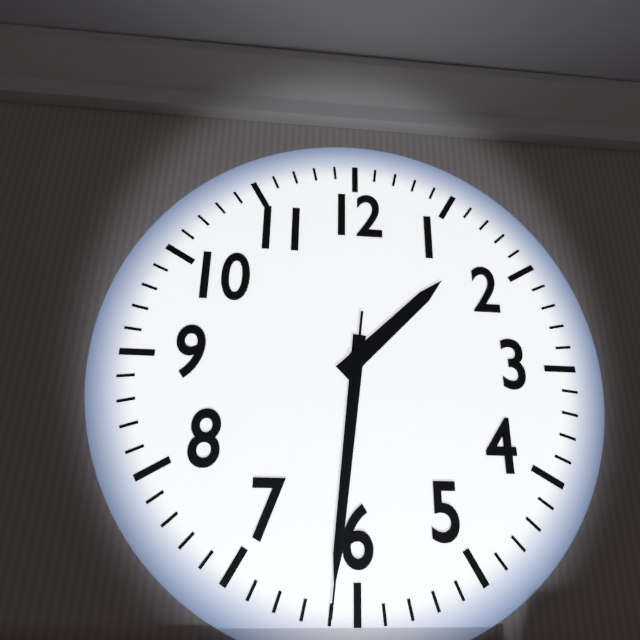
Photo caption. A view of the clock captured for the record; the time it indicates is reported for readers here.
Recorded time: 1:31:31
